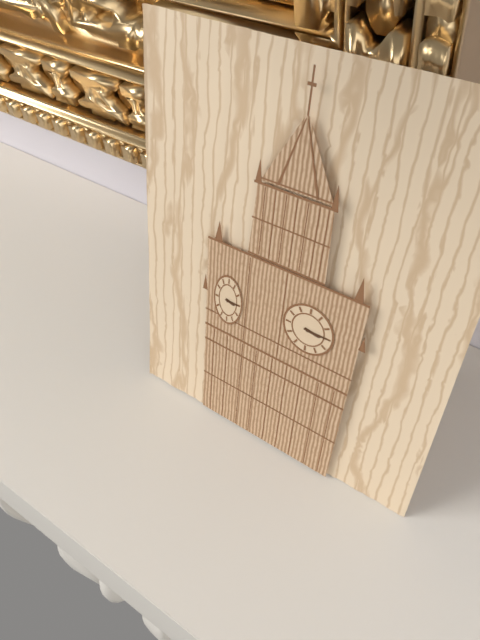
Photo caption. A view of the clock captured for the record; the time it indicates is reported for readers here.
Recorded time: 3:15
